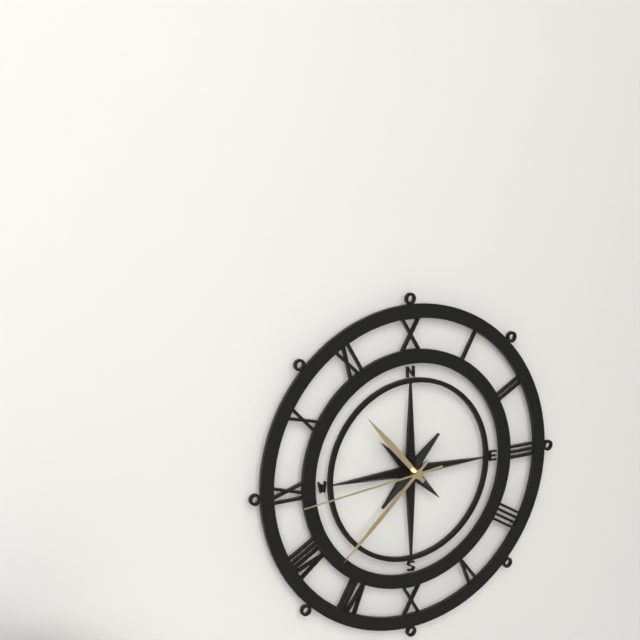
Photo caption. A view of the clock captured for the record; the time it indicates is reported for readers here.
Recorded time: 10:38:44
